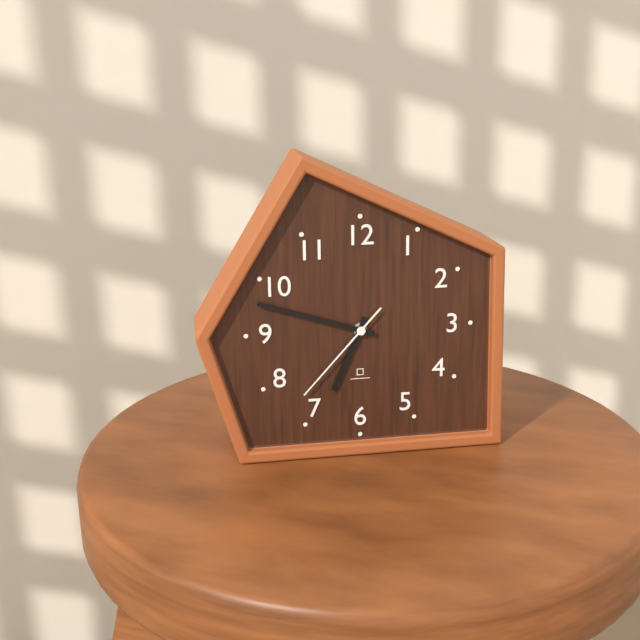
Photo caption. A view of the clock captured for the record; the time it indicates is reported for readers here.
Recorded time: 6:48:37
